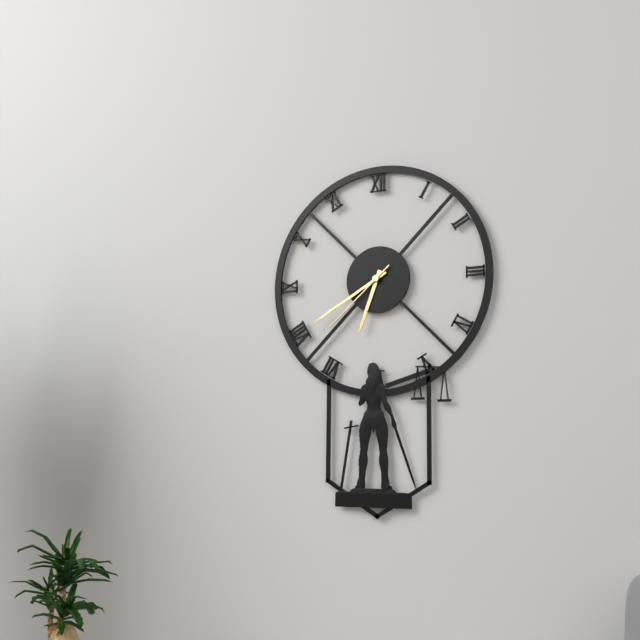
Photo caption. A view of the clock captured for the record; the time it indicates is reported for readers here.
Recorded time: 6:40:38
